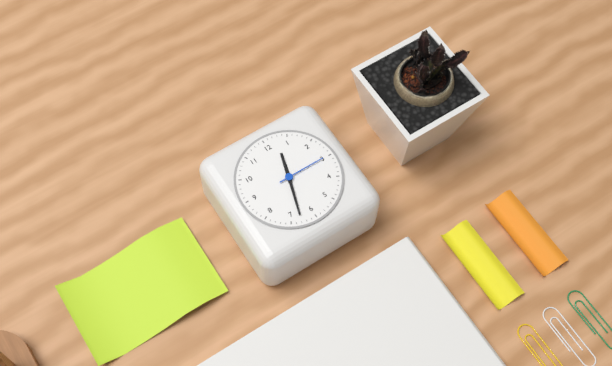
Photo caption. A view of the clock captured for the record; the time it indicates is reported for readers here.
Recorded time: 12:33
